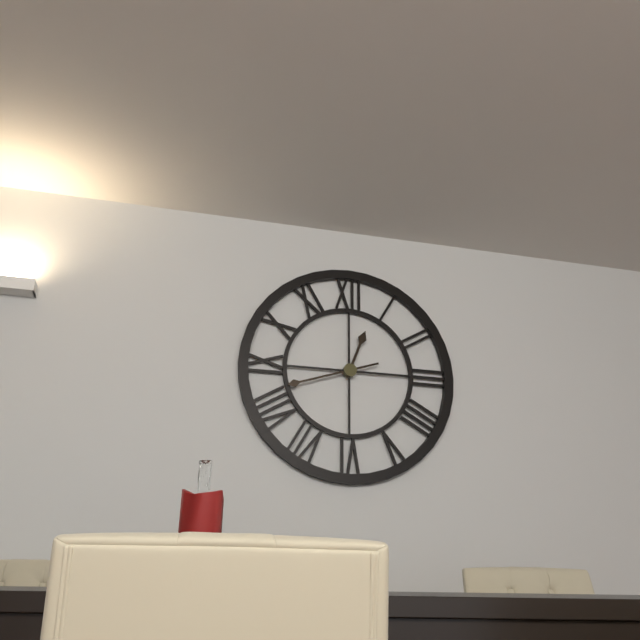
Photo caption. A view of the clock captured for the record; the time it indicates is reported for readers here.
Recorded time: 12:42
